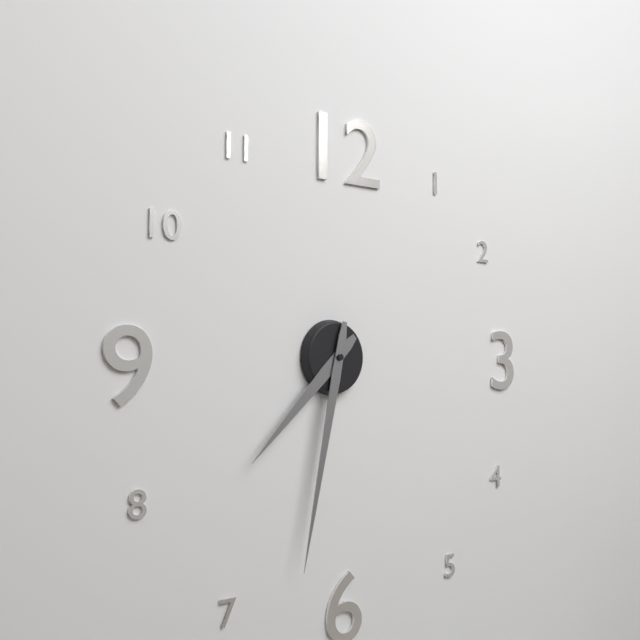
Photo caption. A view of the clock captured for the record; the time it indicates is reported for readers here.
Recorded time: 7:32
